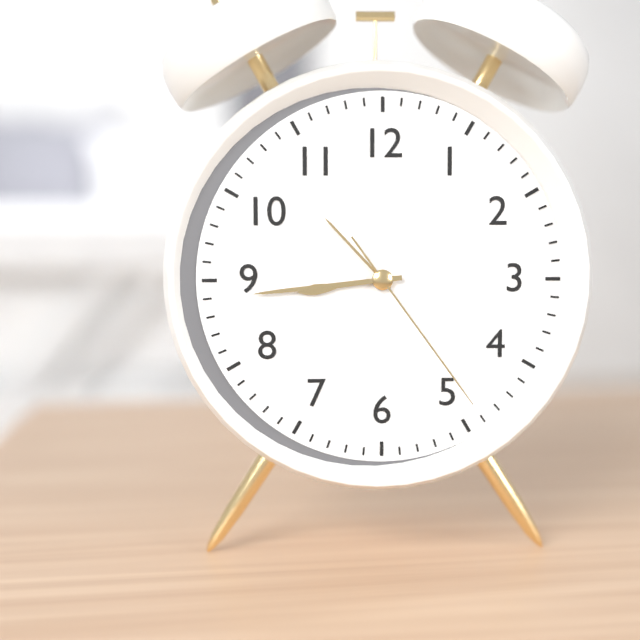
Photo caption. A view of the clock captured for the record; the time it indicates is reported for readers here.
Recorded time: 8:44:24
